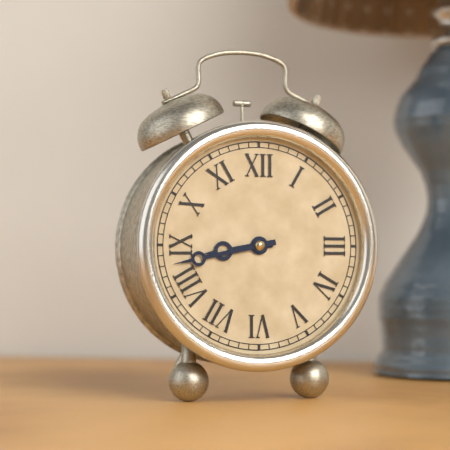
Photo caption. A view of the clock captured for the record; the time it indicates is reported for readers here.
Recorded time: 8:43
